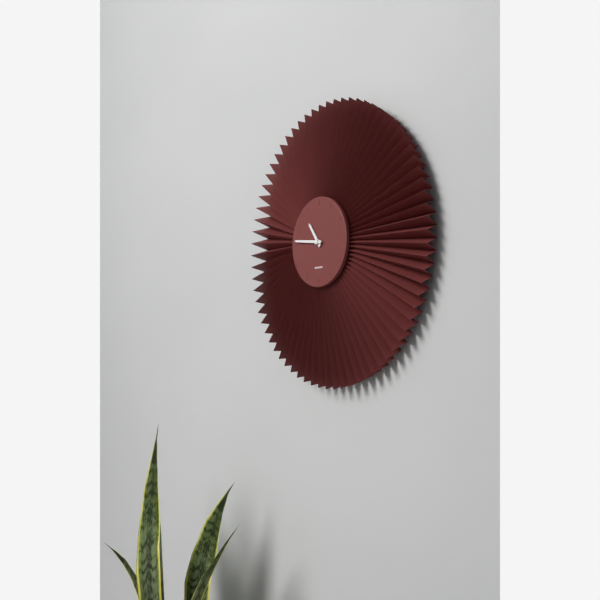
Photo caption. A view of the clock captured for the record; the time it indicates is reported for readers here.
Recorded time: 10:46
